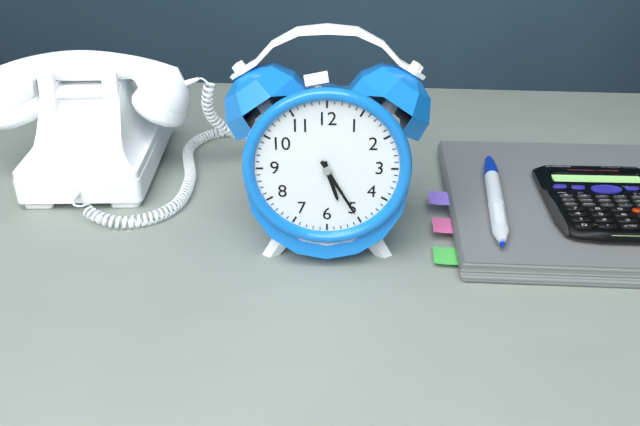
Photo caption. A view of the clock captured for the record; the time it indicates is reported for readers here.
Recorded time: 5:25
